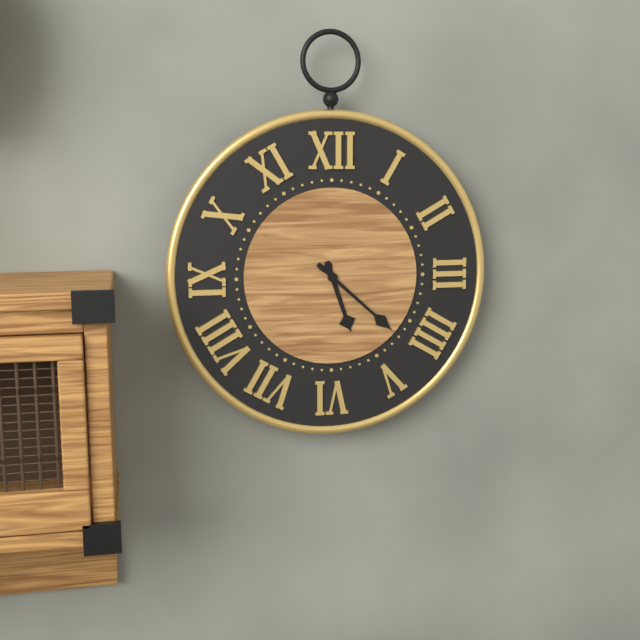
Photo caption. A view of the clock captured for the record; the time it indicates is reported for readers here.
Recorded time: 5:22
